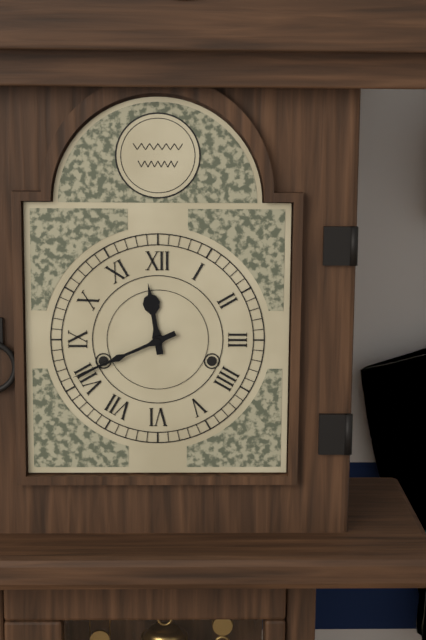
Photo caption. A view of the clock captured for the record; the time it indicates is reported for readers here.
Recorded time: 11:41
